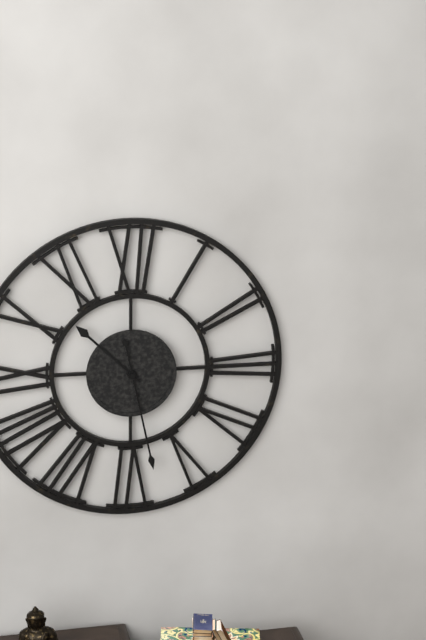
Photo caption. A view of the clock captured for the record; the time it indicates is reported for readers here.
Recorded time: 10:28
